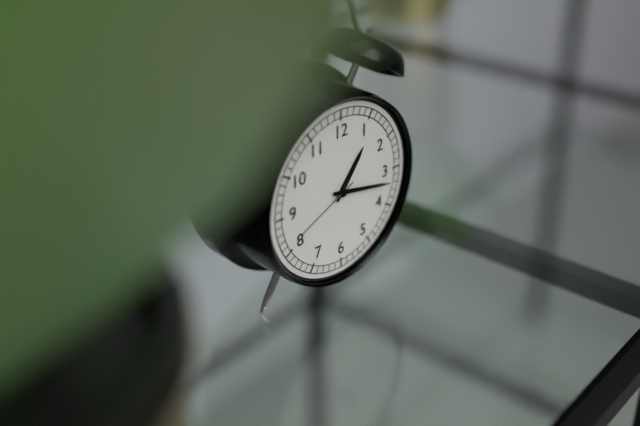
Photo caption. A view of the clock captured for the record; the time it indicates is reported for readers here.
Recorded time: 1:17:41
